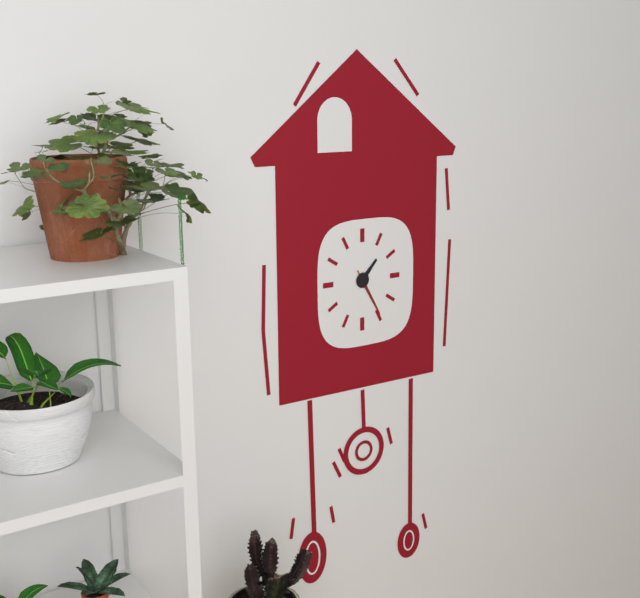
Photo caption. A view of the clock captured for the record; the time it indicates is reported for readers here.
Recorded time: 1:25
